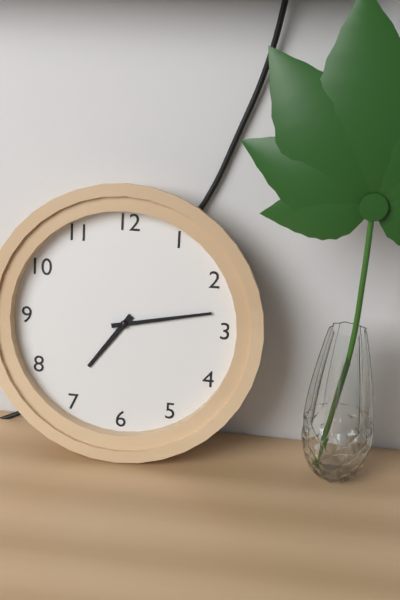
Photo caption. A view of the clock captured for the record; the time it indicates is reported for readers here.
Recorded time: 7:13
